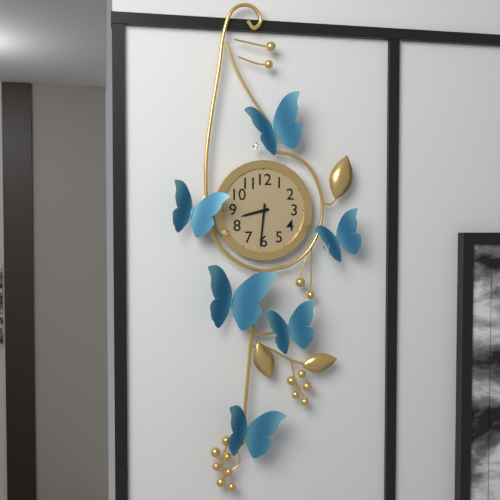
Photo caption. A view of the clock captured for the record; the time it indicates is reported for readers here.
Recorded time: 8:31
